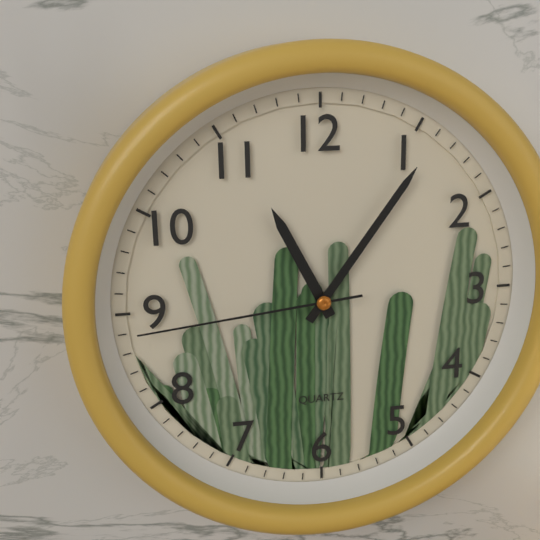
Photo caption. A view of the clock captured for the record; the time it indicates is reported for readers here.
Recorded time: 11:06:44
